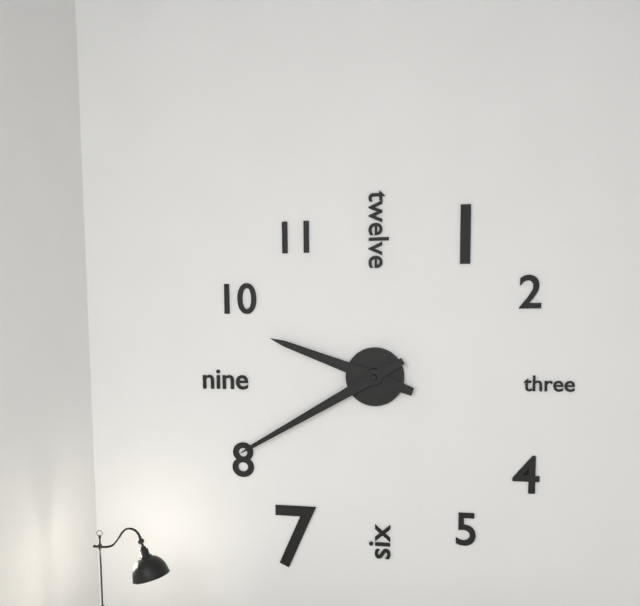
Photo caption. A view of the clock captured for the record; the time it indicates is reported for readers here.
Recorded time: 9:40
